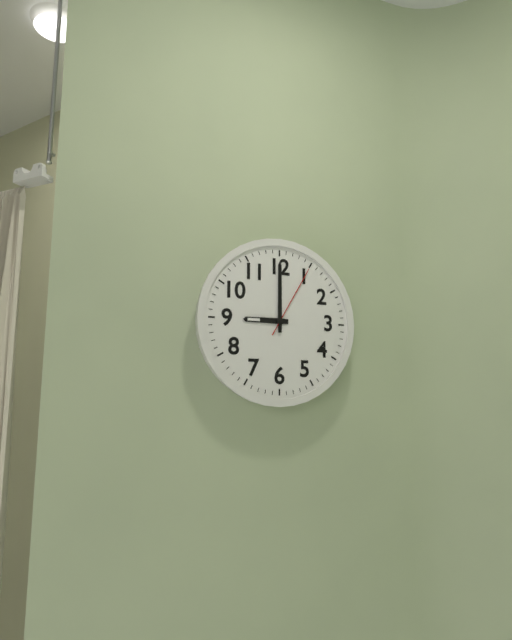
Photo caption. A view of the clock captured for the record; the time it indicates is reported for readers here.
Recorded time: 9:00:05
